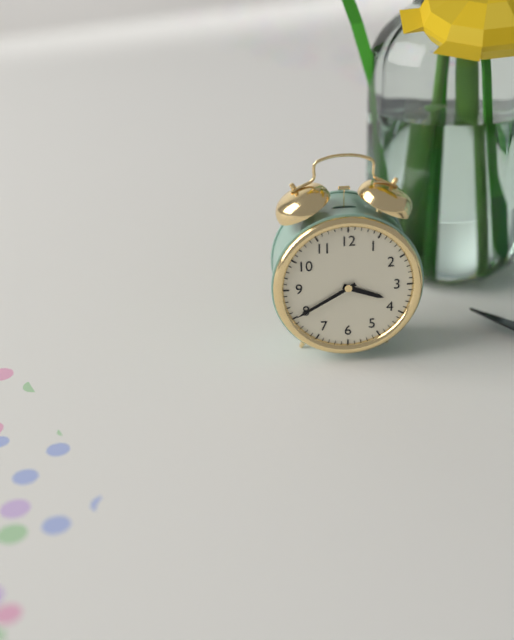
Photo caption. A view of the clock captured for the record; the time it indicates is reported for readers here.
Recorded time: 3:40
